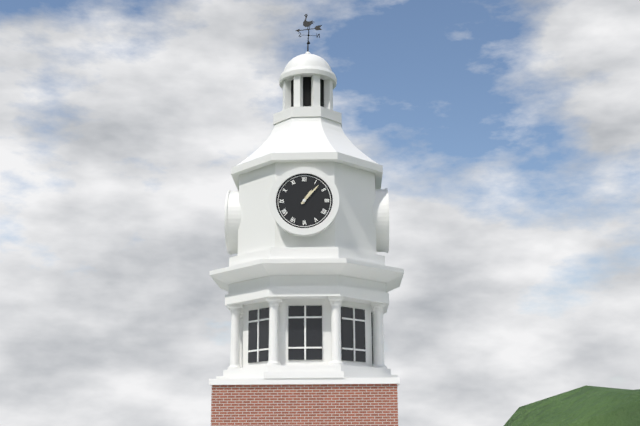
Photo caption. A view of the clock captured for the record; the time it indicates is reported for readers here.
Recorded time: 1:07
